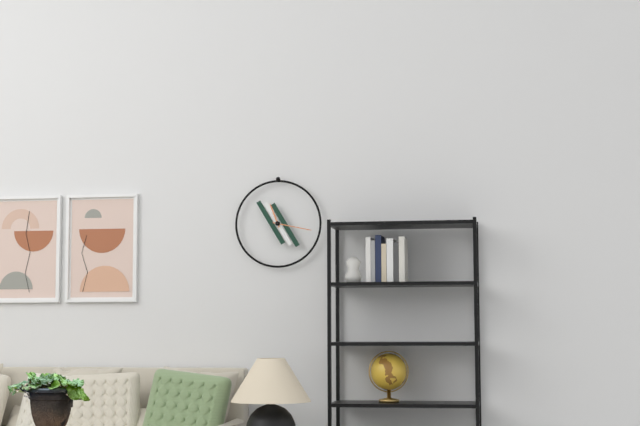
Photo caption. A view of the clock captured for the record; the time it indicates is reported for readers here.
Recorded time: 11:17
